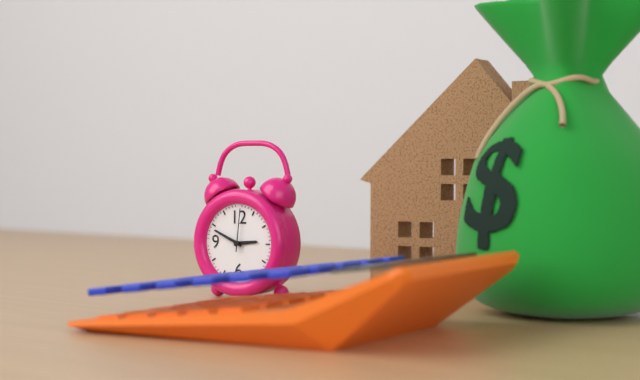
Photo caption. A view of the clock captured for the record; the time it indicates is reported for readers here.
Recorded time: 2:49
